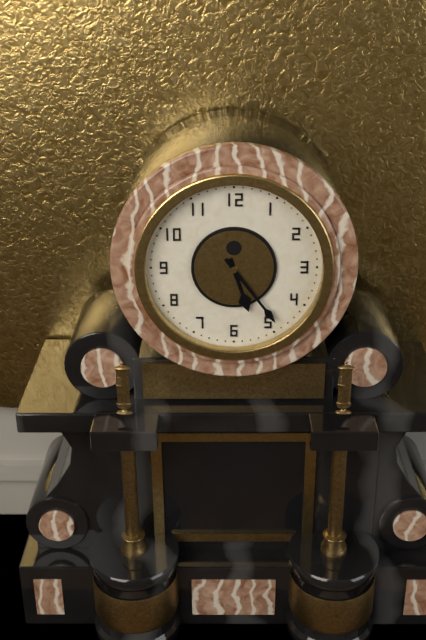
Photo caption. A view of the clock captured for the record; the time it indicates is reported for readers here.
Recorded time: 5:24
